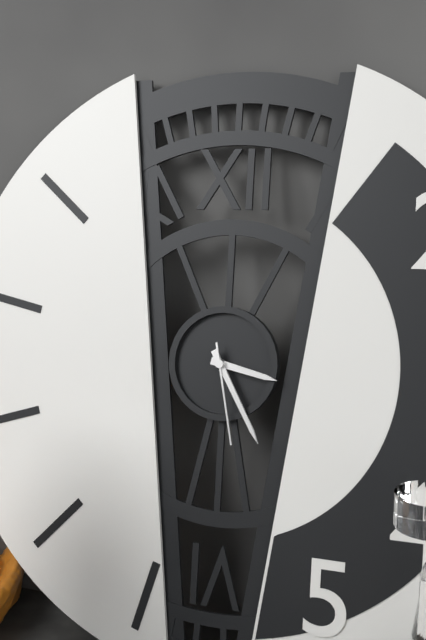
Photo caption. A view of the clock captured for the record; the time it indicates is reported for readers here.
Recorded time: 3:25:28
